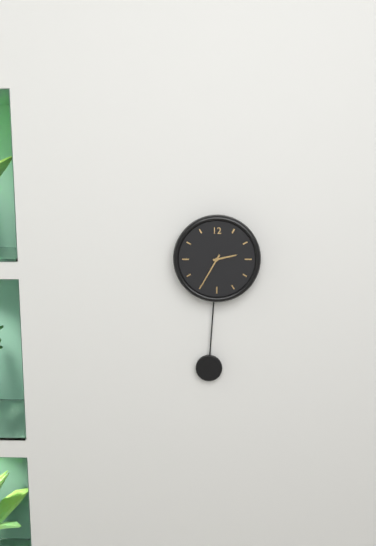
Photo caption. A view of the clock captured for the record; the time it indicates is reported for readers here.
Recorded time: 2:35
